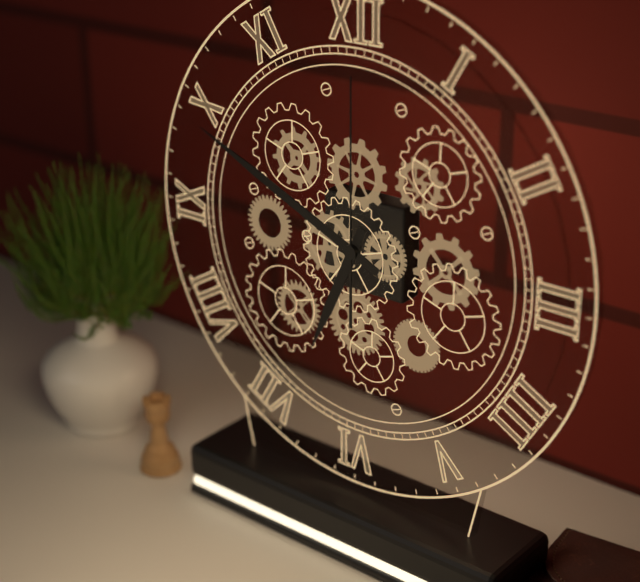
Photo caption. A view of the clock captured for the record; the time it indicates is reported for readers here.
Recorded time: 6:49:00
